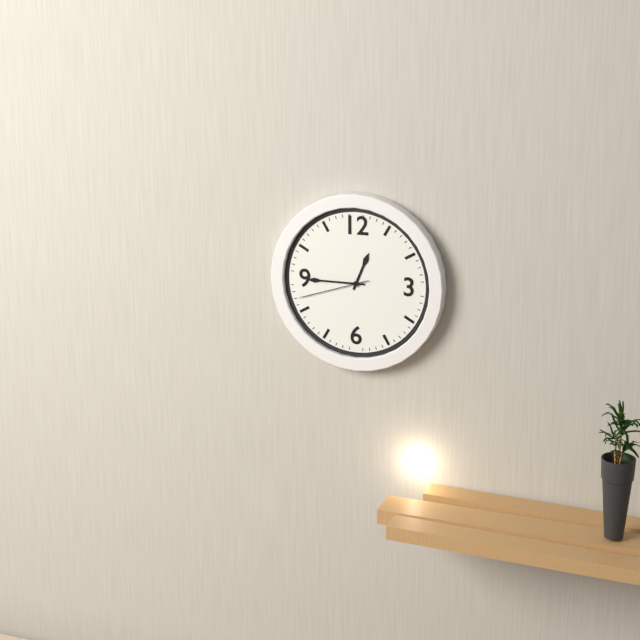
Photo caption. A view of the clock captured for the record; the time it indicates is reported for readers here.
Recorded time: 12:45:42
